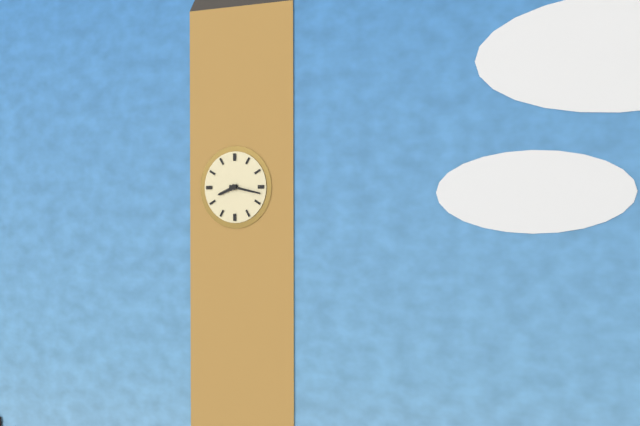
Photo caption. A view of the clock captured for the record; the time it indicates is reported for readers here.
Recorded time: 8:17
